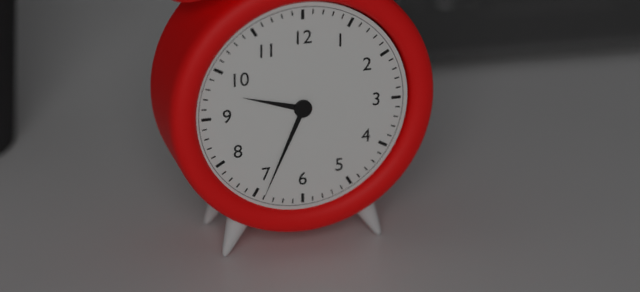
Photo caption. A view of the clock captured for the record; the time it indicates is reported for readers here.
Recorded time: 9:34
